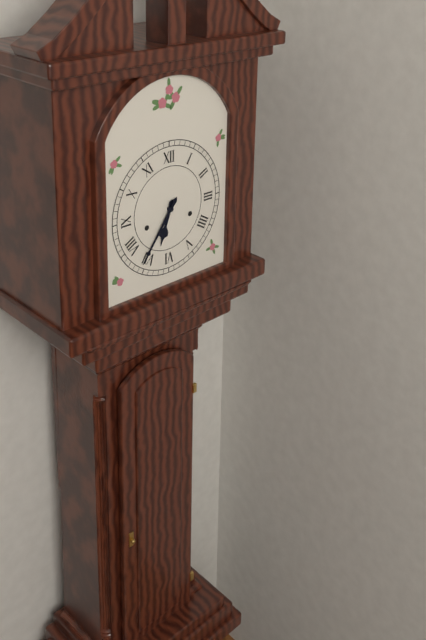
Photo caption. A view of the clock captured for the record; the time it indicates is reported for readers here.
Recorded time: 6:36
